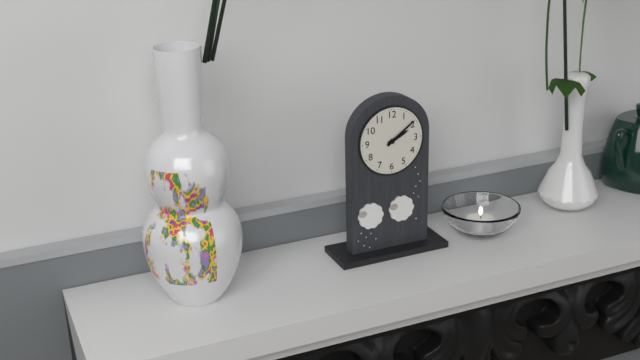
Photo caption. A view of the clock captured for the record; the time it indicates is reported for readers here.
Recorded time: 2:09
